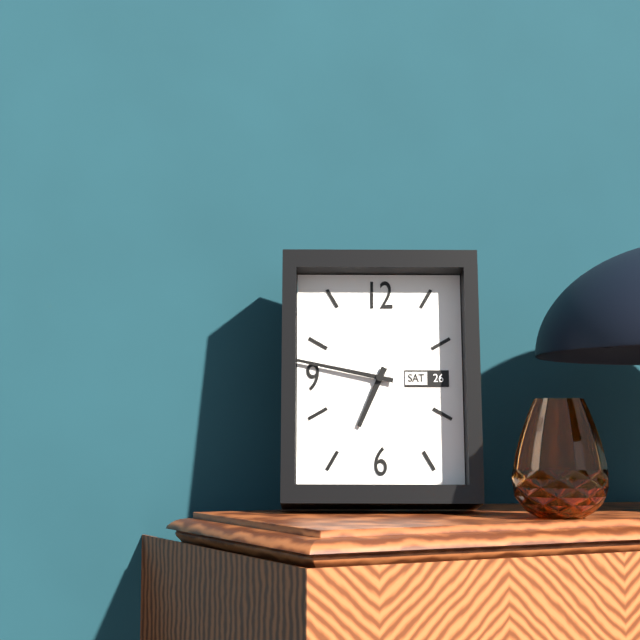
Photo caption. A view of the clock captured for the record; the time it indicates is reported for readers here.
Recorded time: 6:47
